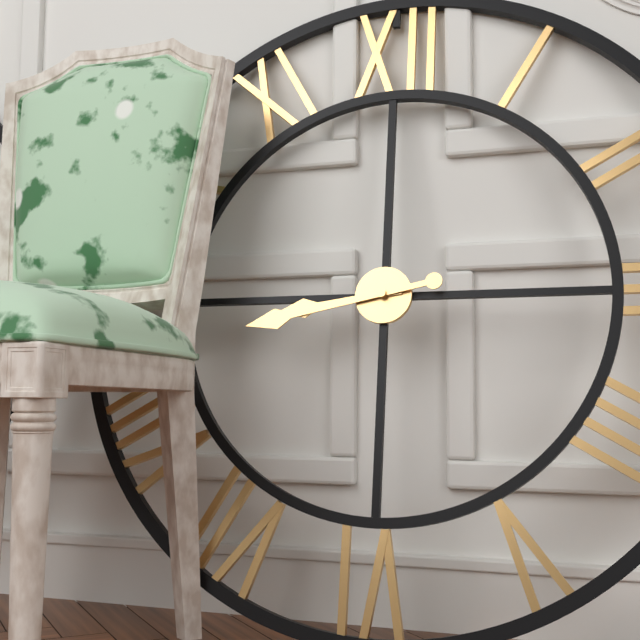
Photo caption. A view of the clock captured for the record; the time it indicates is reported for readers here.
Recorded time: 8:43
